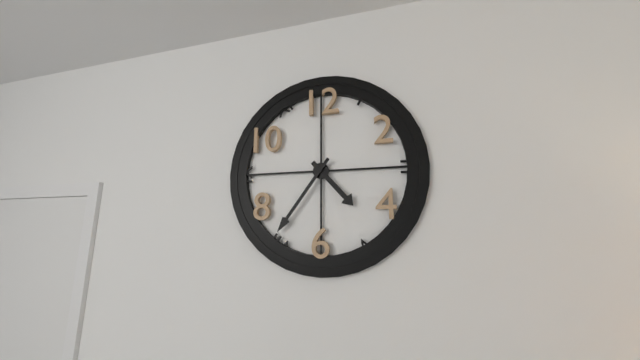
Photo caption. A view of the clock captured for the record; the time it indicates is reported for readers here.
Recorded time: 4:36
